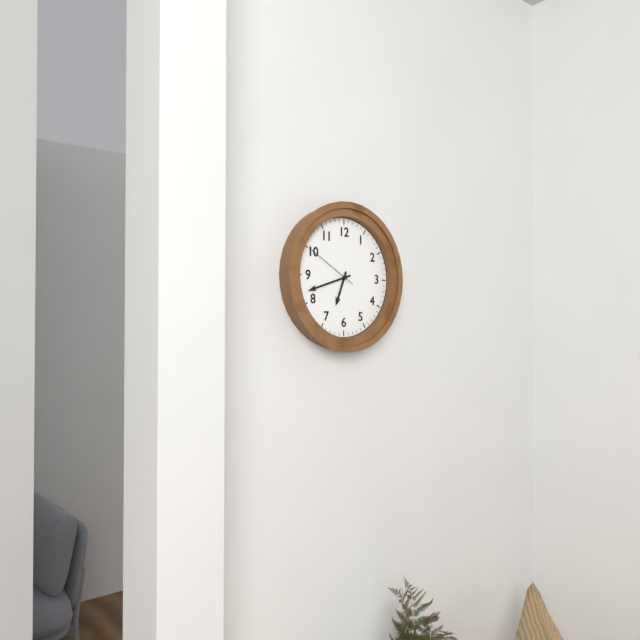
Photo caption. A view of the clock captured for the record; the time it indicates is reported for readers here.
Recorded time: 6:42:50
